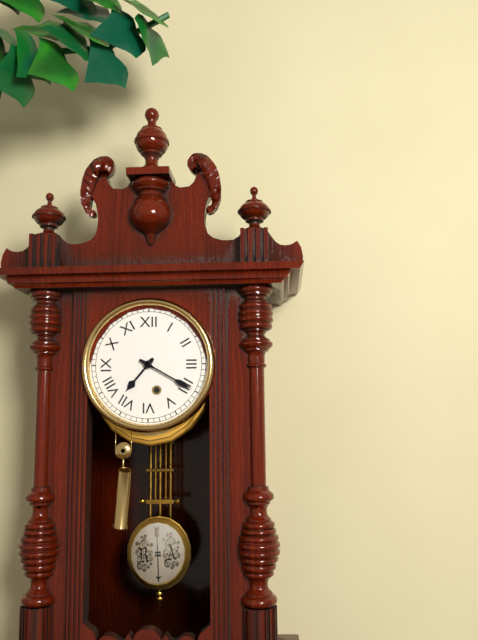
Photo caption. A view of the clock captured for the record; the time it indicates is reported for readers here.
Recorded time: 7:20
